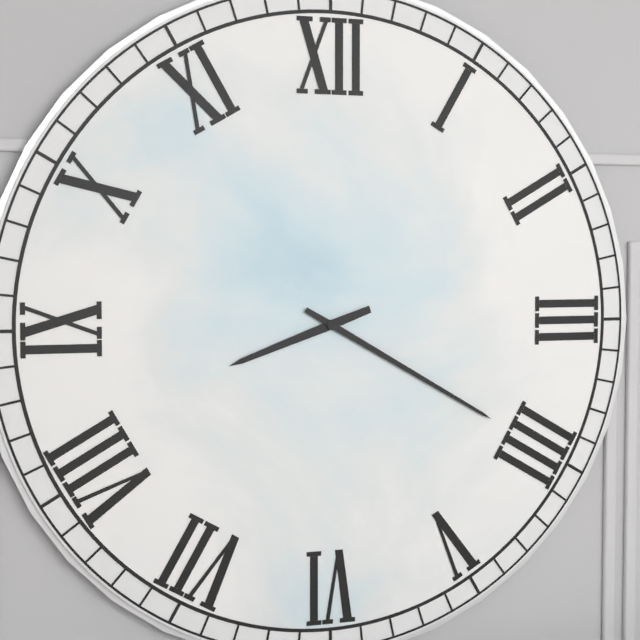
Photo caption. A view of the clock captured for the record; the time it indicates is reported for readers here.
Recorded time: 8:20
